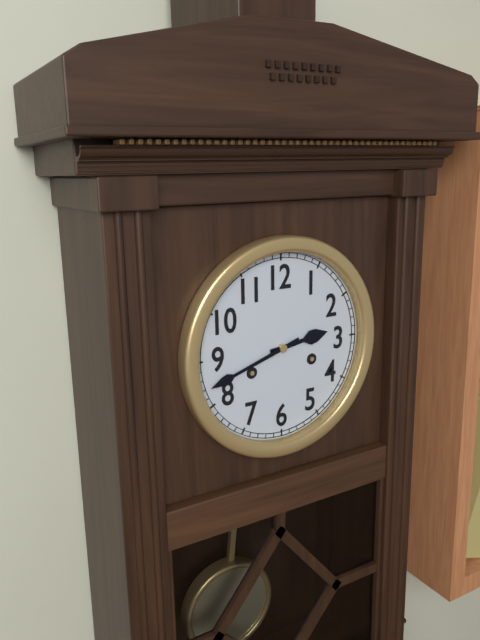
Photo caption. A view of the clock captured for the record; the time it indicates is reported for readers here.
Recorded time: 2:42
